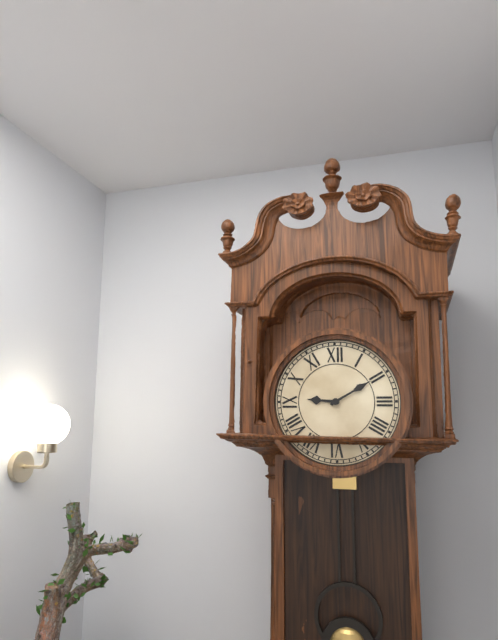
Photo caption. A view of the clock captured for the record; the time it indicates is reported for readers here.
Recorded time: 9:10
